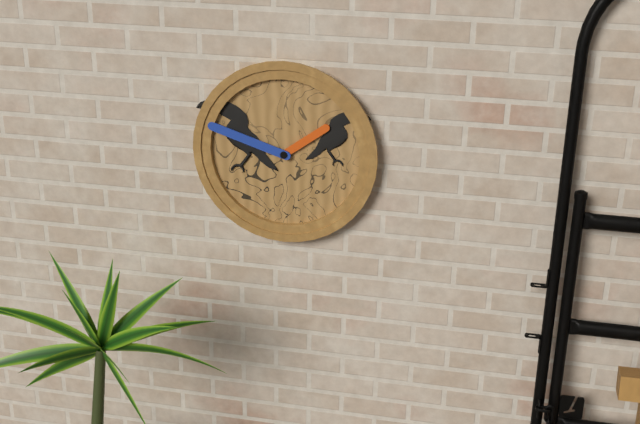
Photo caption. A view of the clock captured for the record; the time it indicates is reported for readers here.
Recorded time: 1:48
